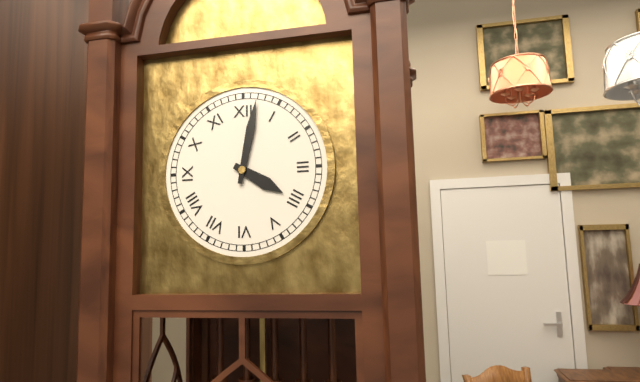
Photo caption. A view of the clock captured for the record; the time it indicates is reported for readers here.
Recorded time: 4:02
